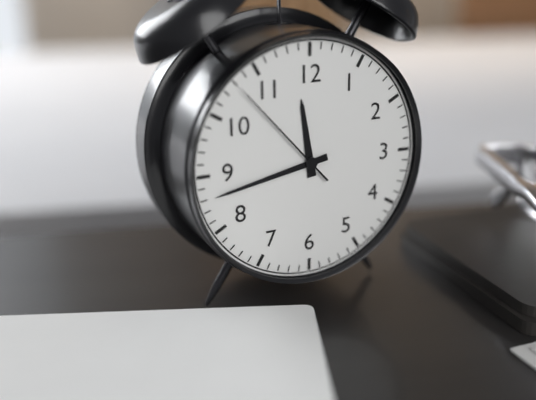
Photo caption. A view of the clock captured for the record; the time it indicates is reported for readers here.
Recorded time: 11:43:53
